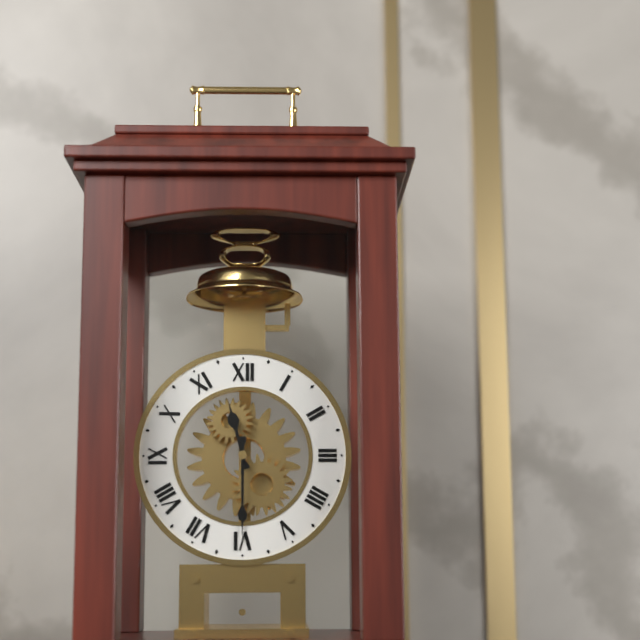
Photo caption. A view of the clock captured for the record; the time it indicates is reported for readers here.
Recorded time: 11:30
